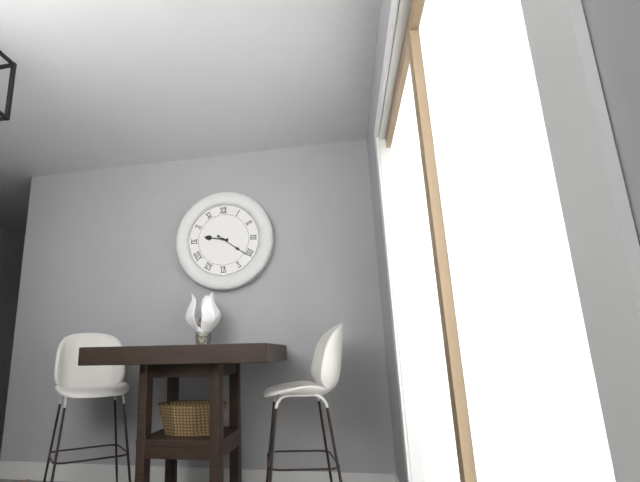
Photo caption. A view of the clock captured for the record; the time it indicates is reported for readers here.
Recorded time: 9:21
